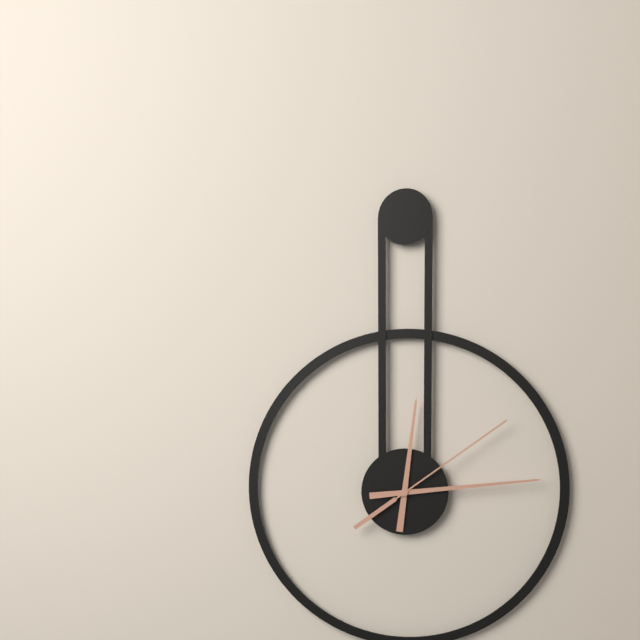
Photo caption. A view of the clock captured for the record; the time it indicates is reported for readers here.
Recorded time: 12:14:09
